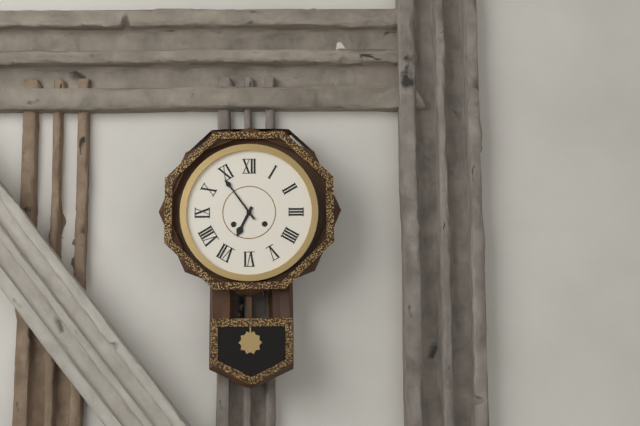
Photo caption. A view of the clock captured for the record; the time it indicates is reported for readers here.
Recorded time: 6:54
